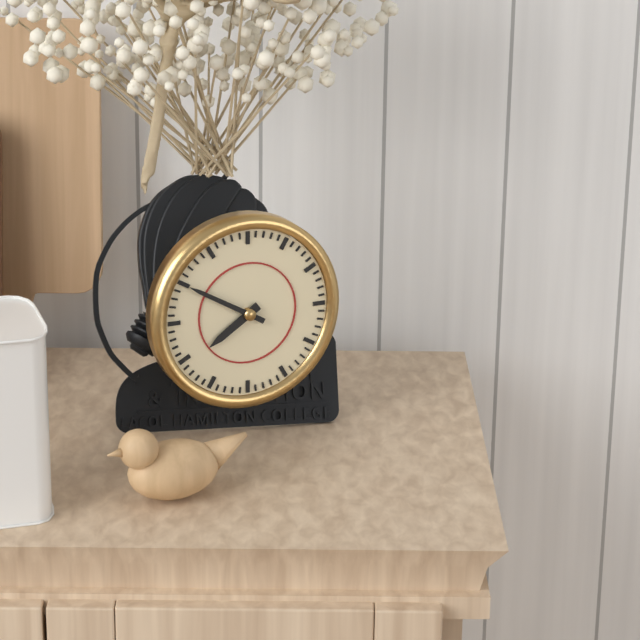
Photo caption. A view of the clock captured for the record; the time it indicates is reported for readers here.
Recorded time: 7:50
